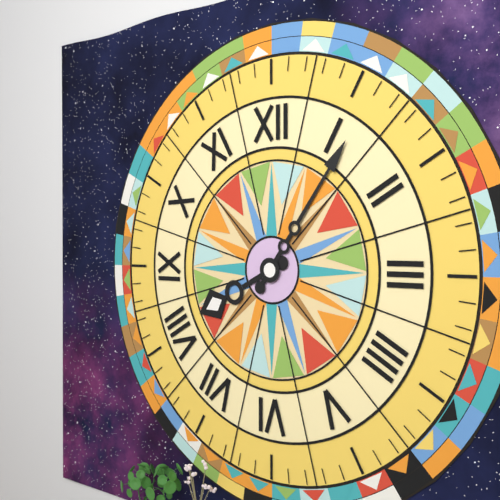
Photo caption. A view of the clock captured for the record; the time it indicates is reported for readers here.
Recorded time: 8:06
